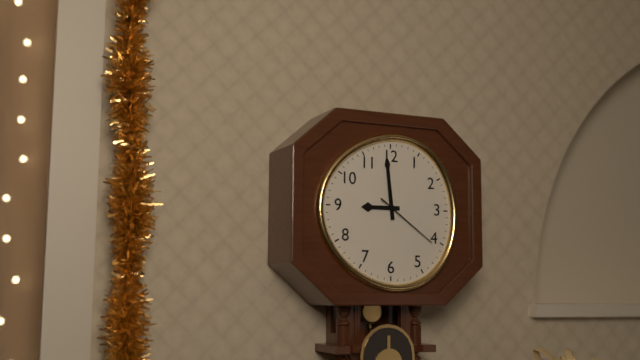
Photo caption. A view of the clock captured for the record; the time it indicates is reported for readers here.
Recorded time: 8:59:21
